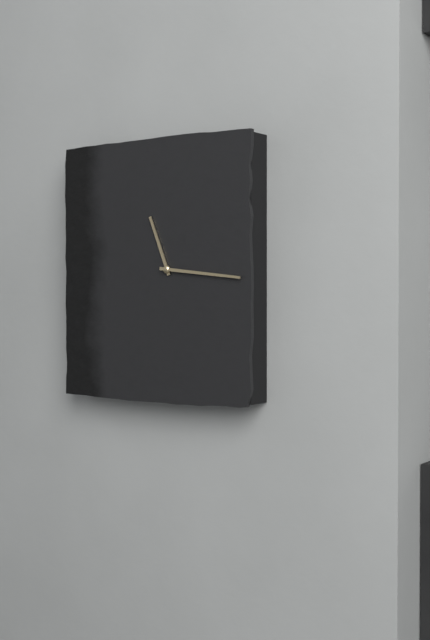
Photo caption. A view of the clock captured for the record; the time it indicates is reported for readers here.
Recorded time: 11:16
